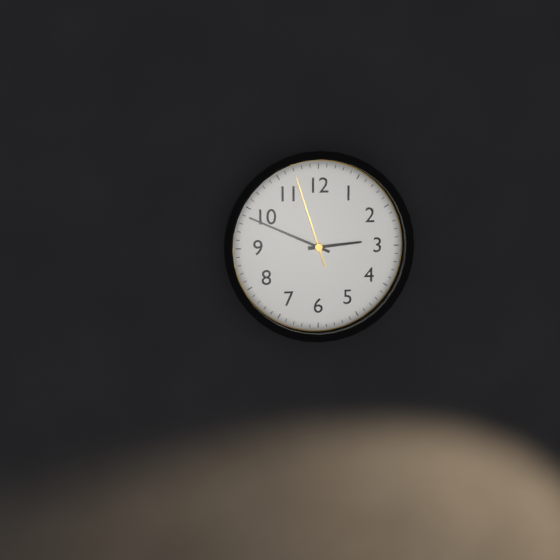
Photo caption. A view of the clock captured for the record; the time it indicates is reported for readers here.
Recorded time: 2:49:57
